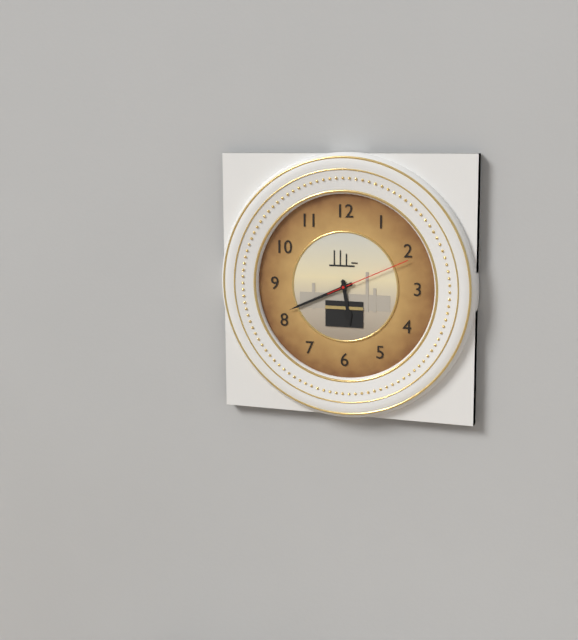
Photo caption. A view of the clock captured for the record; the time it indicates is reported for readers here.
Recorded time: 5:41:11
